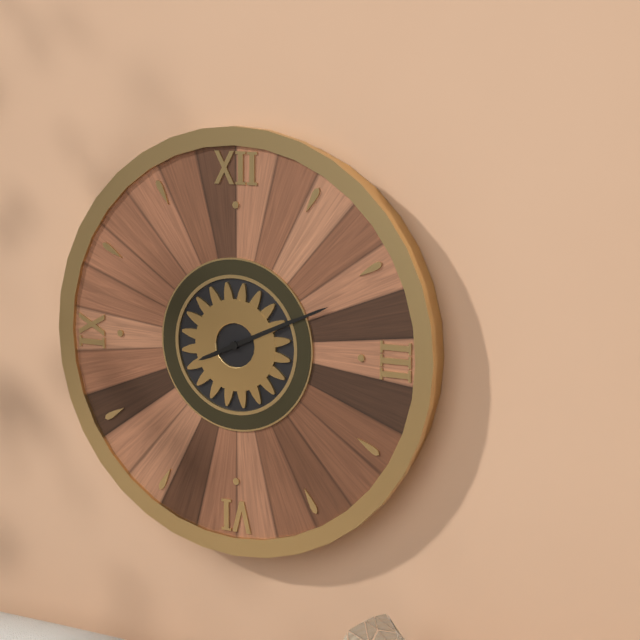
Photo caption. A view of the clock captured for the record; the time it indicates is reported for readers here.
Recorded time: 2:11
